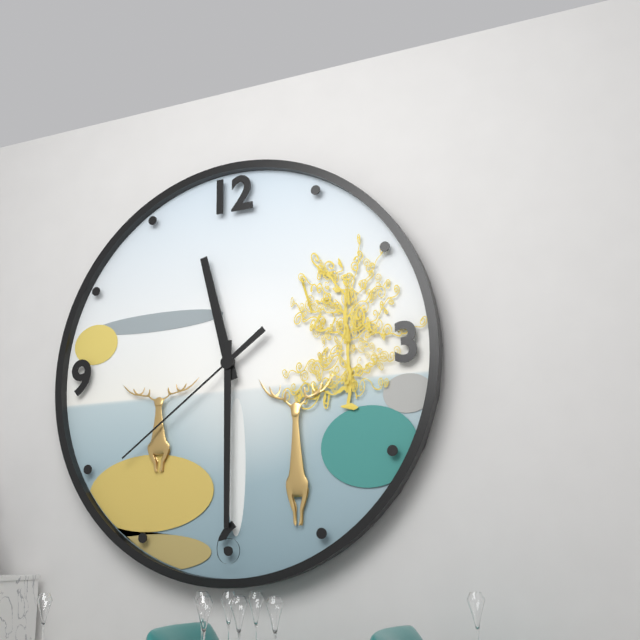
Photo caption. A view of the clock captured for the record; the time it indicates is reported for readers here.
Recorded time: 11:30:39
